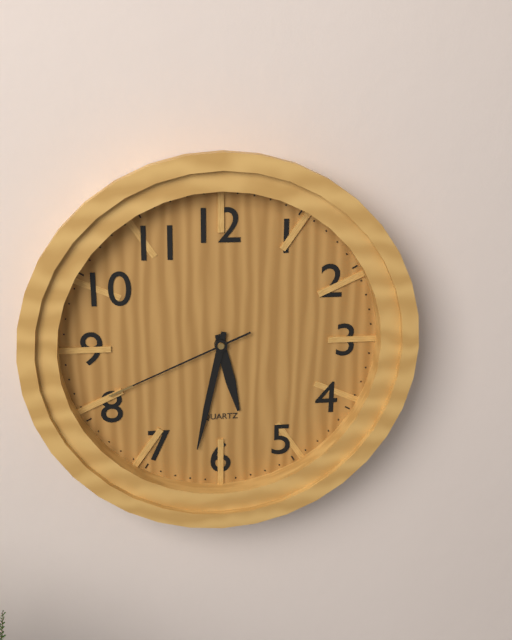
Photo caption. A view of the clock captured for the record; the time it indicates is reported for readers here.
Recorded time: 5:32:41
